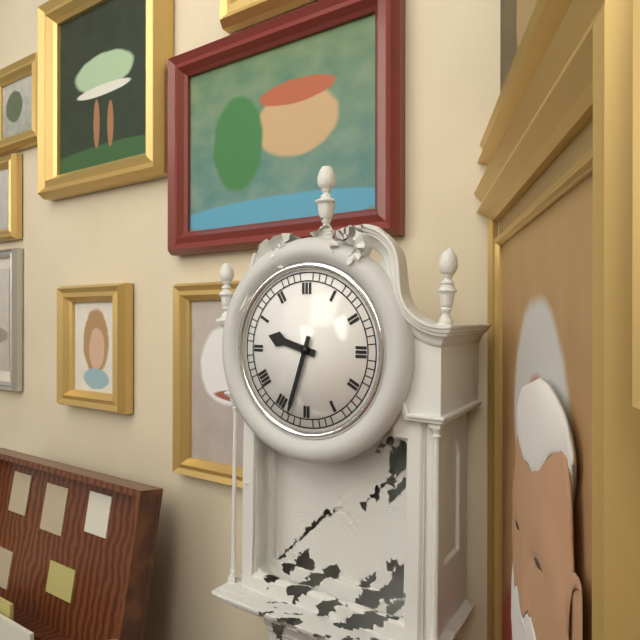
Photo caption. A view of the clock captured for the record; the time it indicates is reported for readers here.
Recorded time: 9:33
